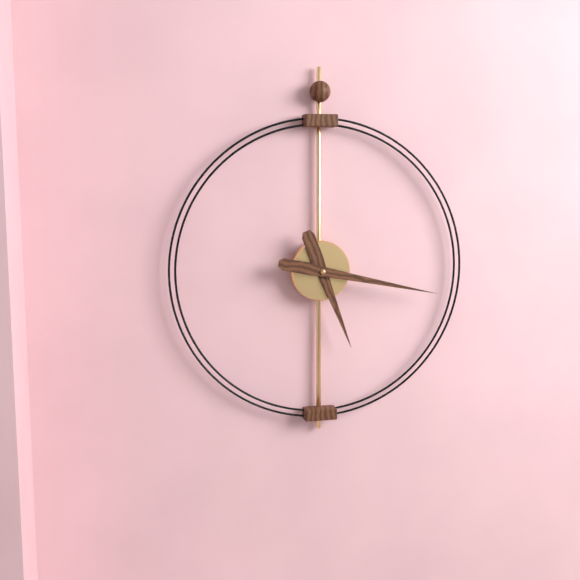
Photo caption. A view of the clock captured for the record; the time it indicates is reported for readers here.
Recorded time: 5:17
